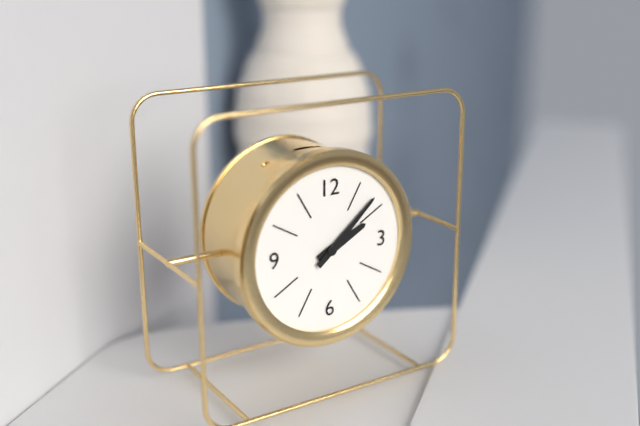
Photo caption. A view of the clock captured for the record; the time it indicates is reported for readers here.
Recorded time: 2:08
